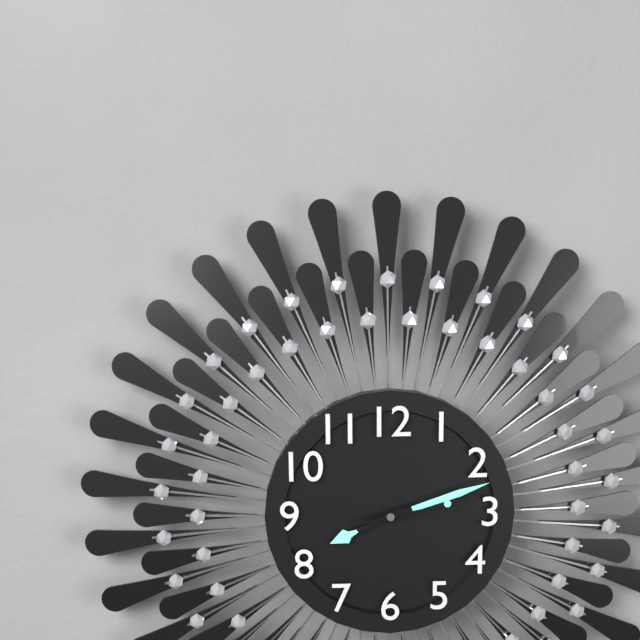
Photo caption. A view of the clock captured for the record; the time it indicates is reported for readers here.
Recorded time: 8:12:13
